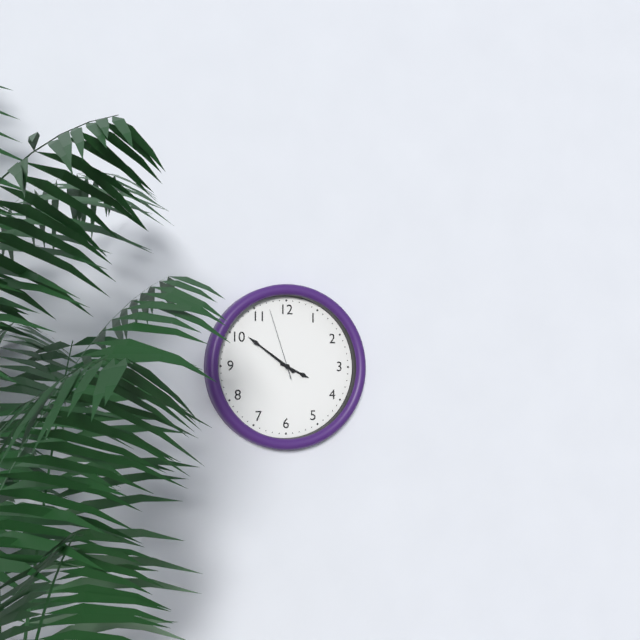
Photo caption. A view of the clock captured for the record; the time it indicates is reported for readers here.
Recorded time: 3:51:57
